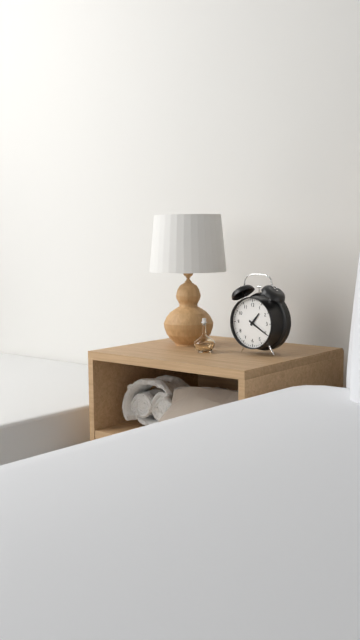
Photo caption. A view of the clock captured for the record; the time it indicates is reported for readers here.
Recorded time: 1:20
